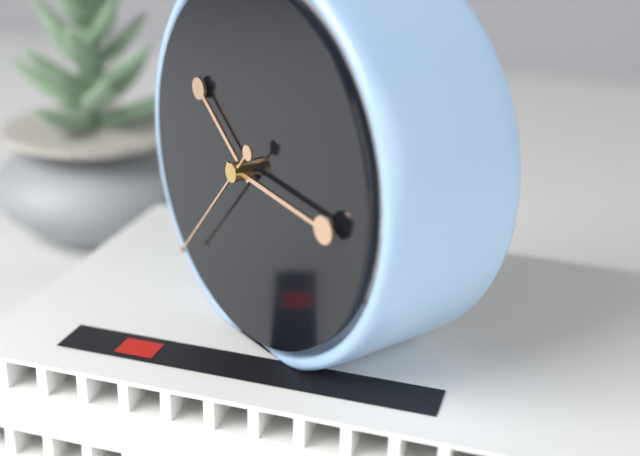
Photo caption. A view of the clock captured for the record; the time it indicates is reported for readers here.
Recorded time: 10:16:37
